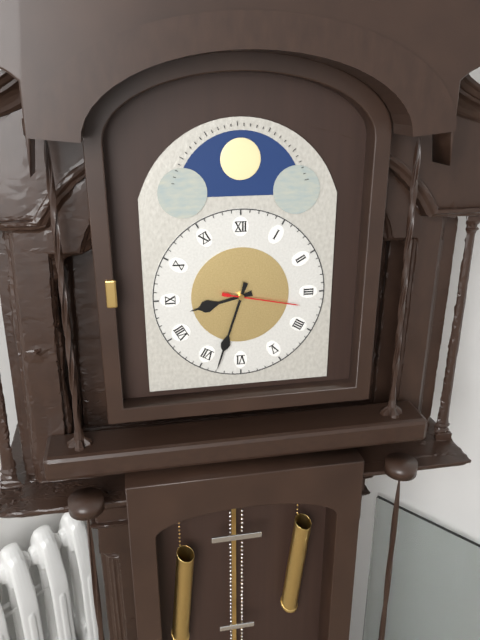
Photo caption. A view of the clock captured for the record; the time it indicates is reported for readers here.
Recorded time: 8:33:17
